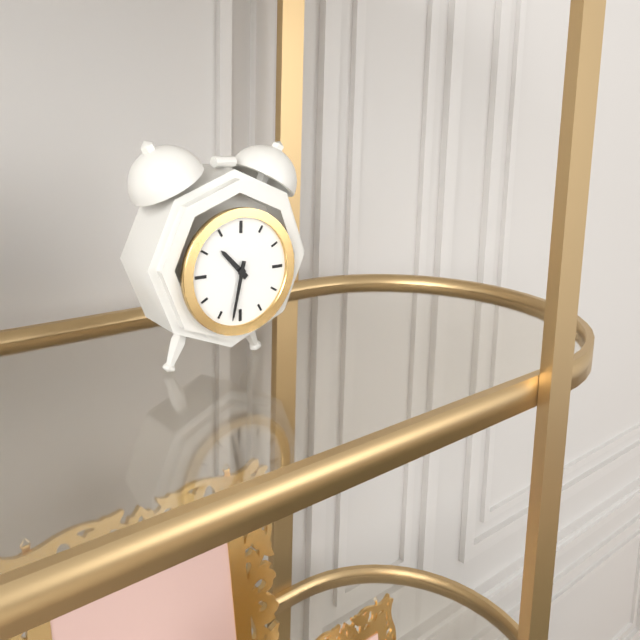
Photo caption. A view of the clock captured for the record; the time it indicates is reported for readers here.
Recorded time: 10:32
